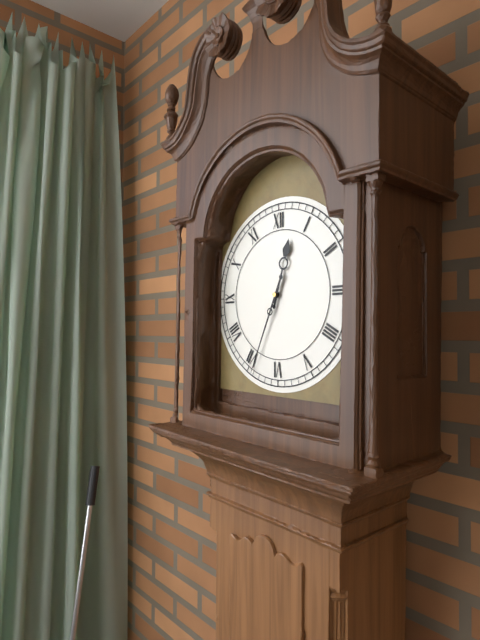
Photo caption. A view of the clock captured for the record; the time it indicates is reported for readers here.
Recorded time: 12:34
